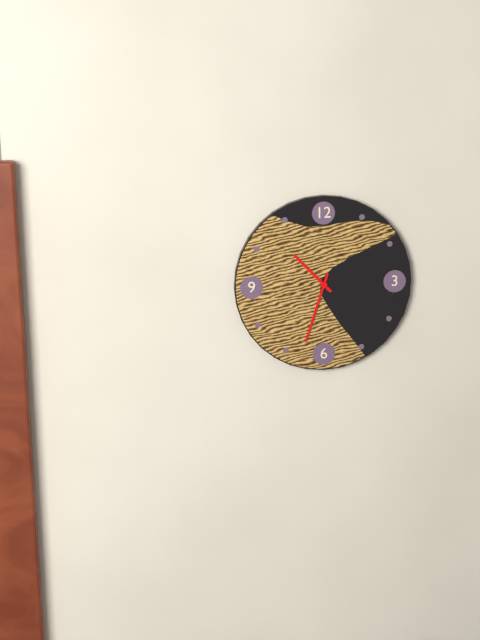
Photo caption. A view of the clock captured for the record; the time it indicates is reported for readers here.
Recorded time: 10:33
